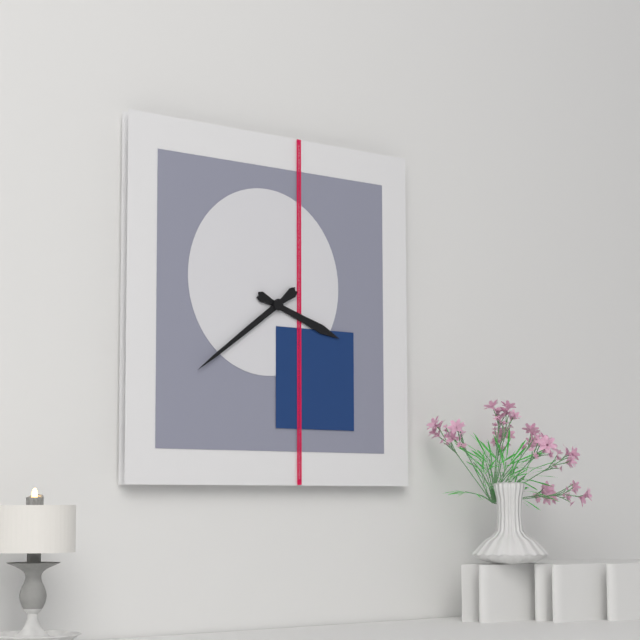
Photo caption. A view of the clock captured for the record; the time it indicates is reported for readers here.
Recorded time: 3:39
